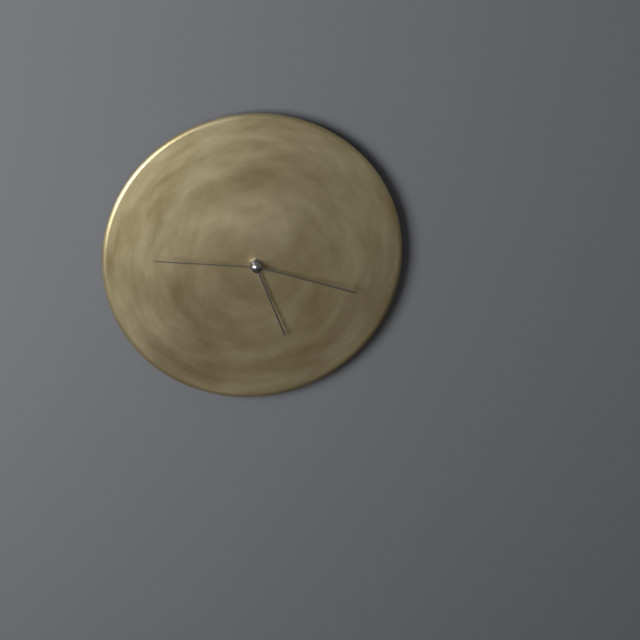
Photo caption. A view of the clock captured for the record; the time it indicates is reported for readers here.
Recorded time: 5:18:46
